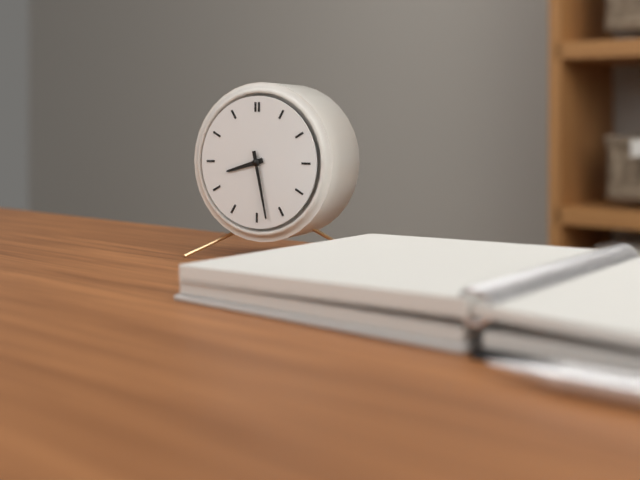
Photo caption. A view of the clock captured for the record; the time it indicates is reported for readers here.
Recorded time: 8:28
